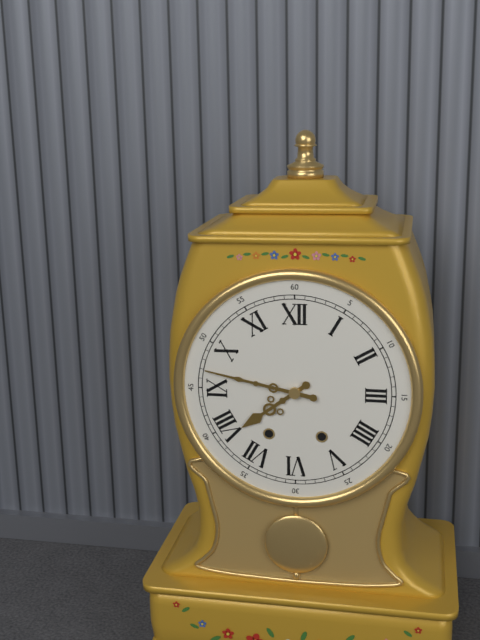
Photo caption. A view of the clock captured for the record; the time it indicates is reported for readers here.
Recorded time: 7:47
